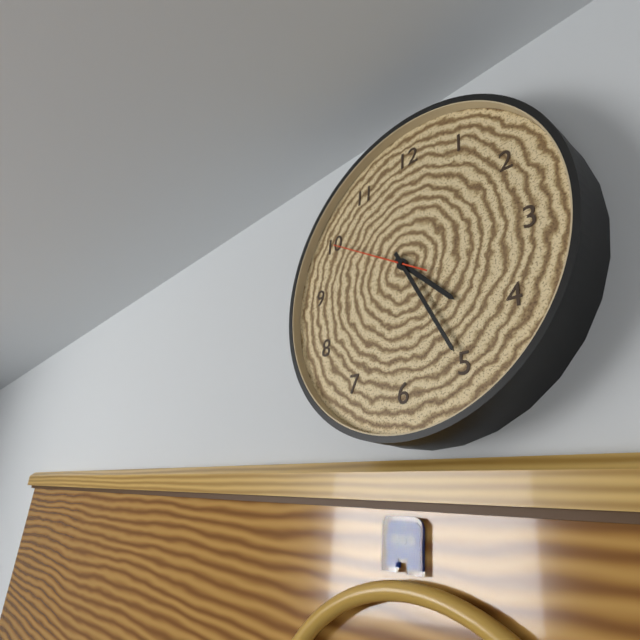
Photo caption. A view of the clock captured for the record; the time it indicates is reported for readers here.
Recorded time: 4:25:50
